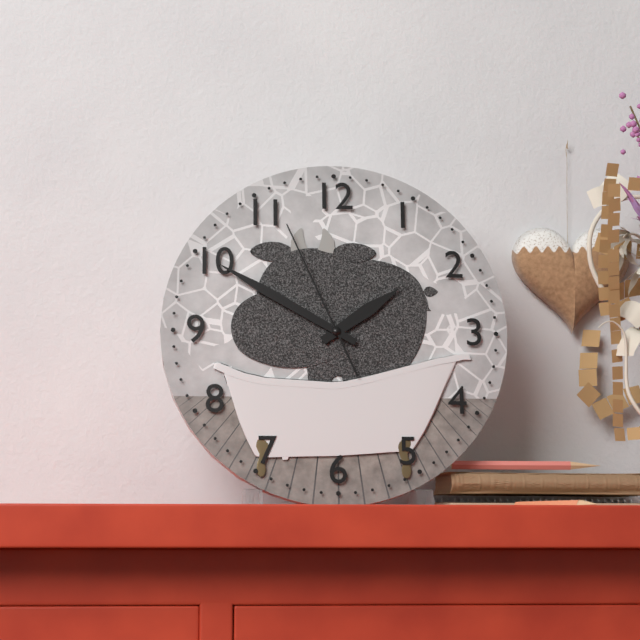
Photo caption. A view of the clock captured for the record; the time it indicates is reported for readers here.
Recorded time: 1:50:56
